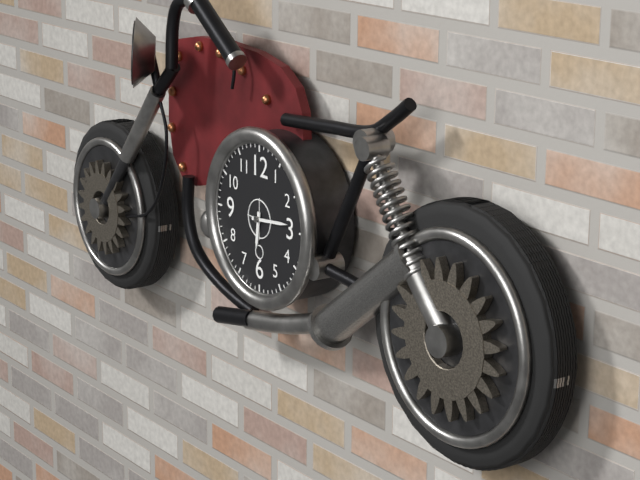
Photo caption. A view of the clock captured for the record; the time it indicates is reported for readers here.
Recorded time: 6:14
